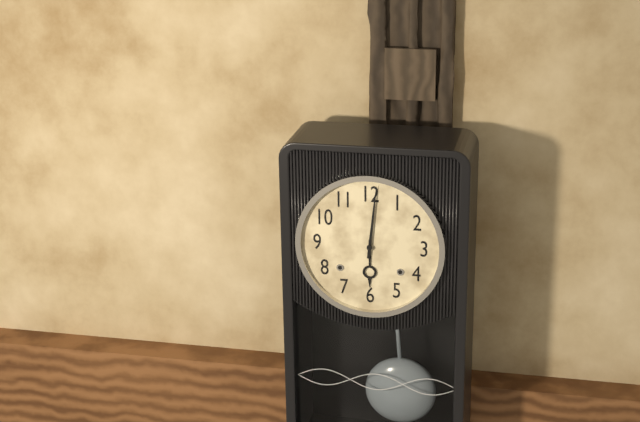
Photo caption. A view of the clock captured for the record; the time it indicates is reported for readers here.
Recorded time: 6:01
